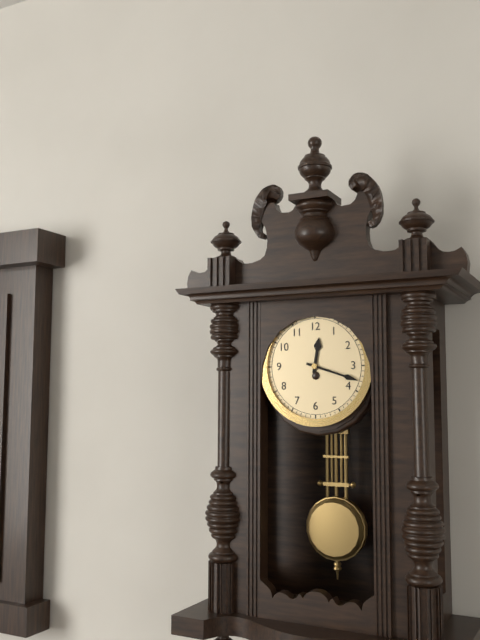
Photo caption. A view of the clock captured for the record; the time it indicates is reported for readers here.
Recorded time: 12:18
